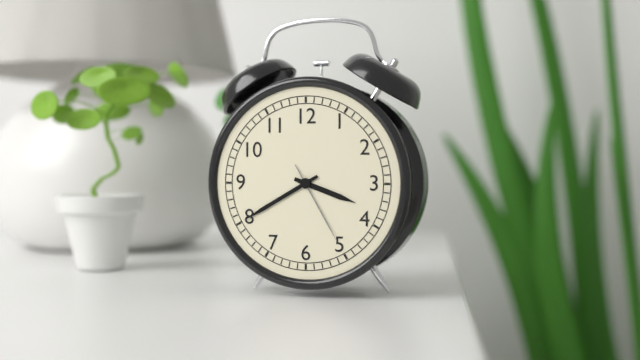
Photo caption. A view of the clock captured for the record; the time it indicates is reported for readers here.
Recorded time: 3:40:25
